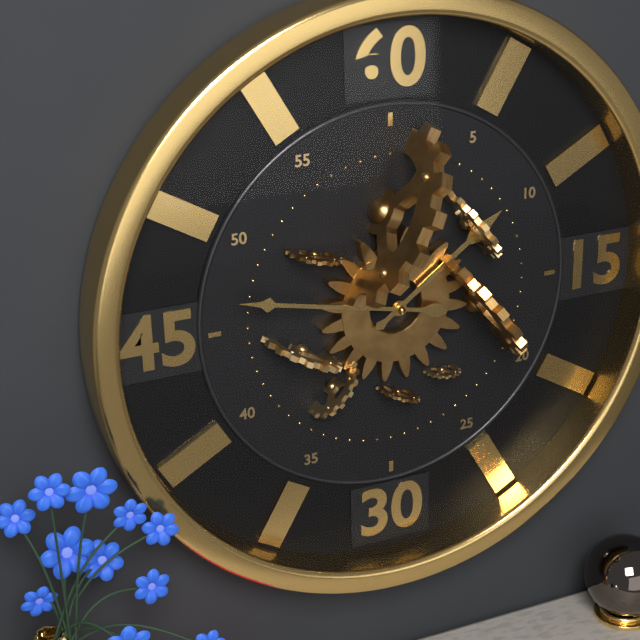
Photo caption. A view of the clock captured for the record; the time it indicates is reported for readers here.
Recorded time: 1:47
